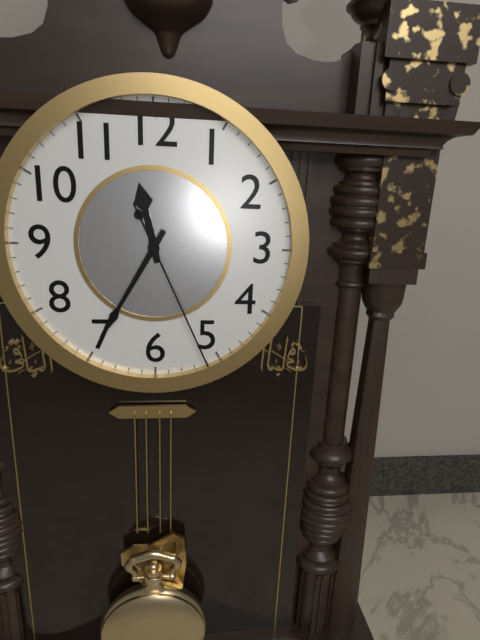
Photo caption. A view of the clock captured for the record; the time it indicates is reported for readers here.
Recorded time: 11:35:26
